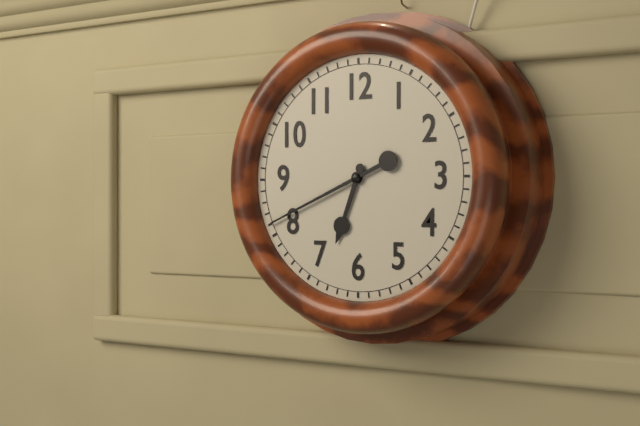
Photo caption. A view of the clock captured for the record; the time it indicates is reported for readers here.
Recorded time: 6:41
